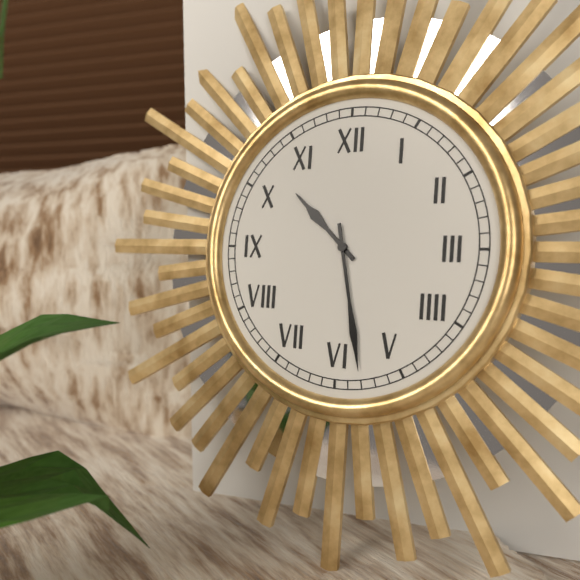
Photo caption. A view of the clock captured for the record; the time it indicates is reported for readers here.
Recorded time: 10:28
